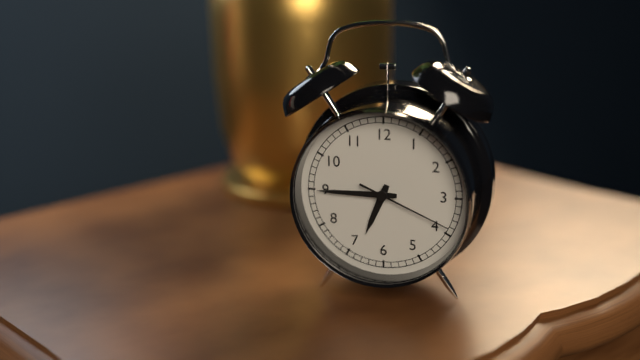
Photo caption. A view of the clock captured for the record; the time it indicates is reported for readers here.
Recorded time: 6:45:19
